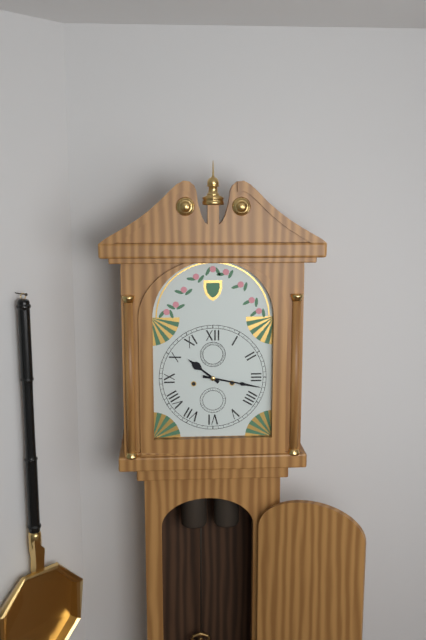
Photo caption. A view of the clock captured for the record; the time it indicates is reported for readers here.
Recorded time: 10:17
